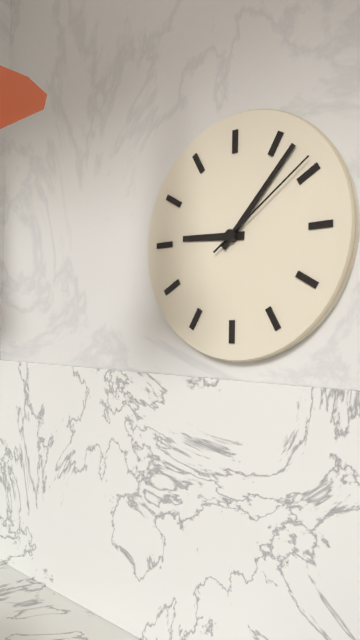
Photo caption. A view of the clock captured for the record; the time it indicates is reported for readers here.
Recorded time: 9:07:09
